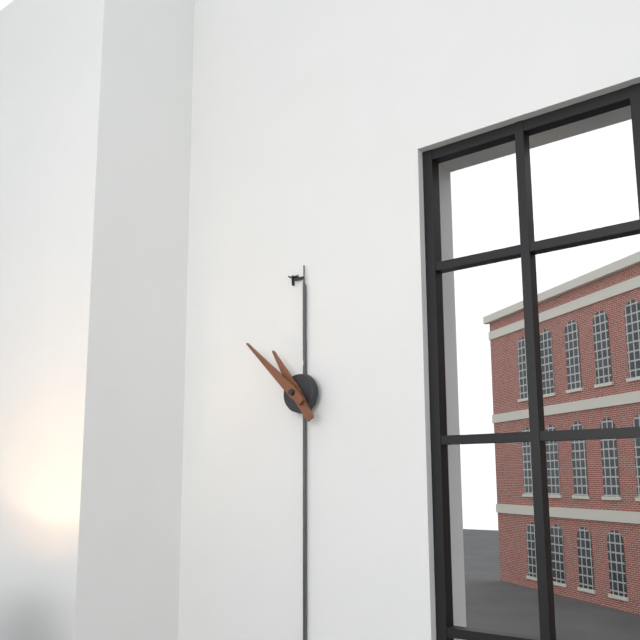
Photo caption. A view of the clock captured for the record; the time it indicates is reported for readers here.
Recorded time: 10:52
